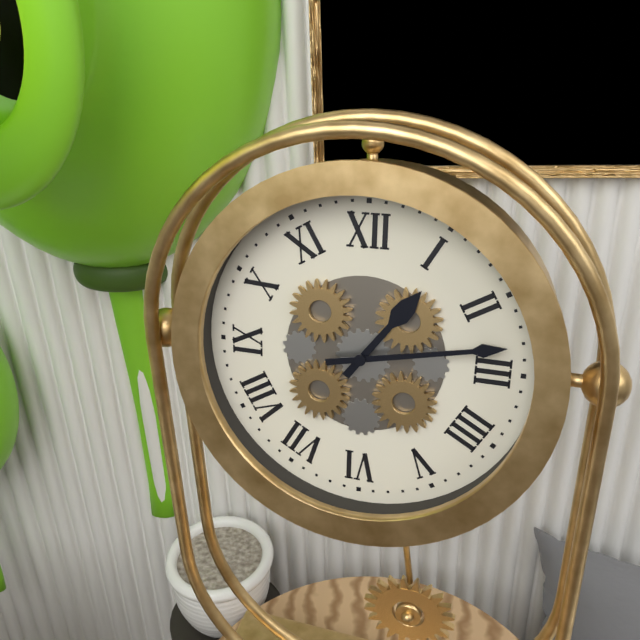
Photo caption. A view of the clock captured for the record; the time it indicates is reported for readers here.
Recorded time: 1:13
